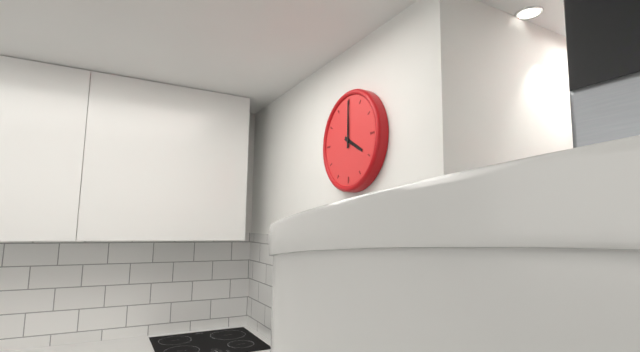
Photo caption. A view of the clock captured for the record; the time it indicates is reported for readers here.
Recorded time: 4:00
